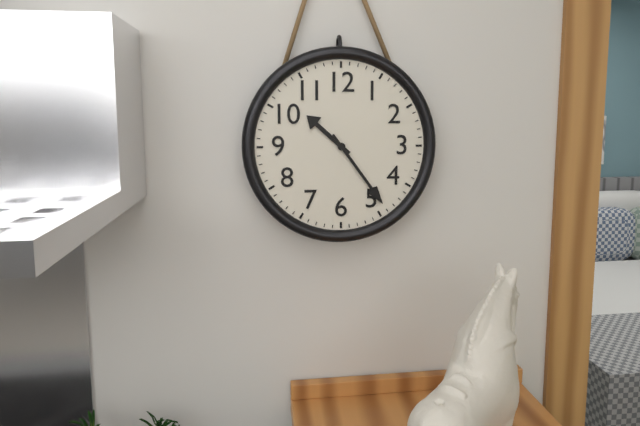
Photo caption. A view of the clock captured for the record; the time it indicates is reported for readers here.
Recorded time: 10:24
